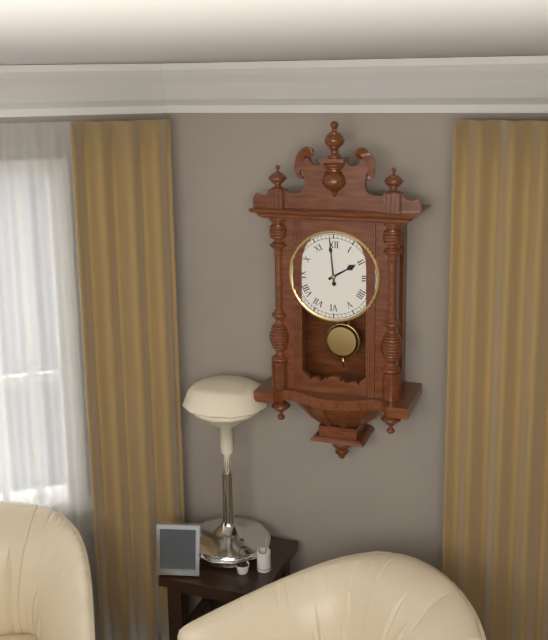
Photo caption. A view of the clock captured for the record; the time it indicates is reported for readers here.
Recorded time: 1:59
